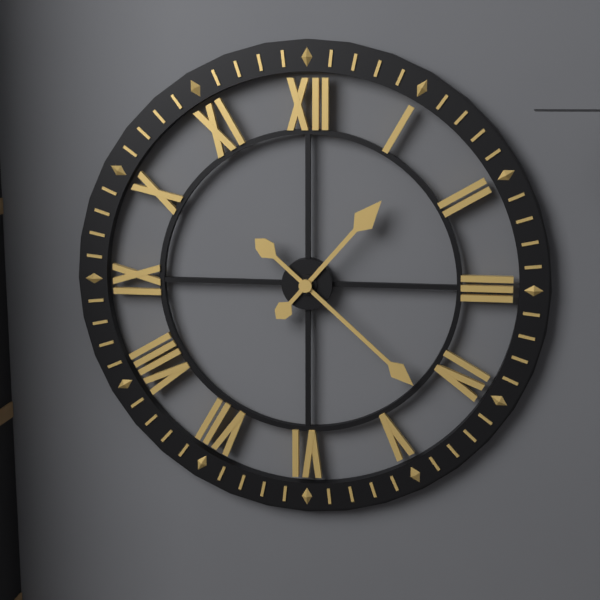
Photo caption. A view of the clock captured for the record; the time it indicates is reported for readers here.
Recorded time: 1:22
